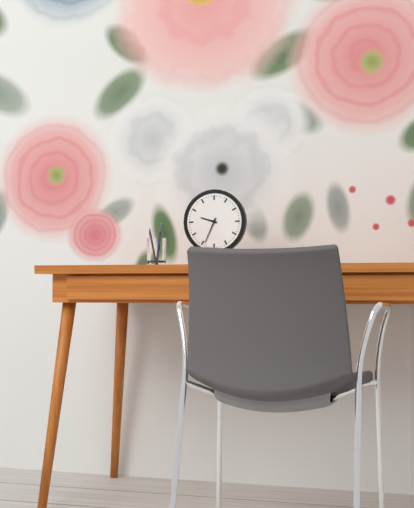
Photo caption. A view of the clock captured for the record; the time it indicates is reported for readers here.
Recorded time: 9:34
